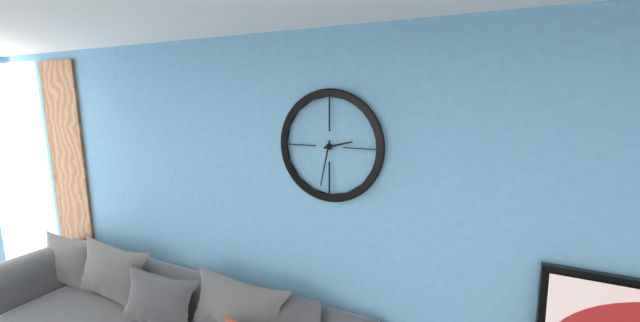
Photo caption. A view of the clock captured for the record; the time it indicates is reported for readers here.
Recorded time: 2:32
